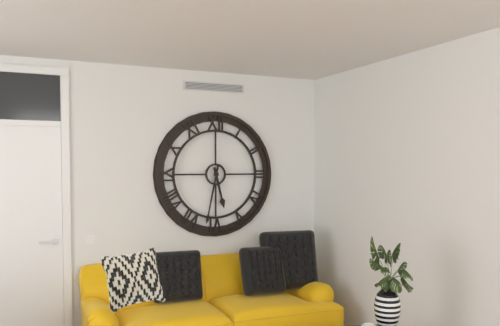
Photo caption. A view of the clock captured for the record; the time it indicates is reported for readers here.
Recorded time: 5:32
